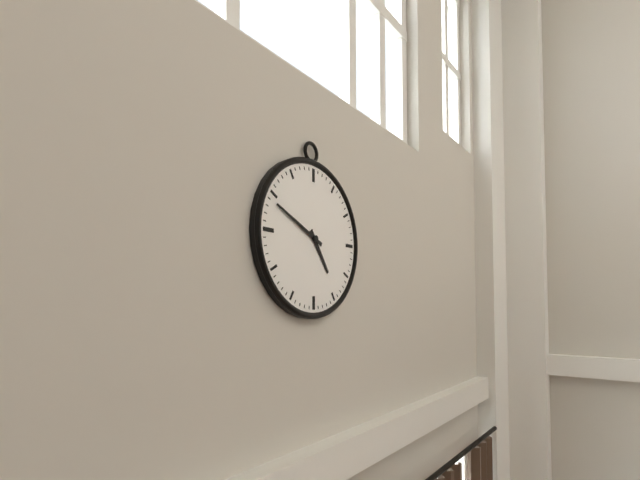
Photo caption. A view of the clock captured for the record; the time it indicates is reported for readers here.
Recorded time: 4:49
